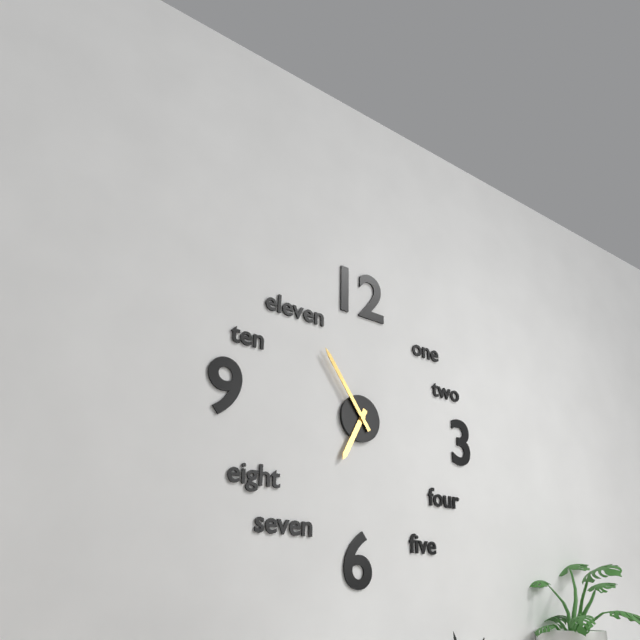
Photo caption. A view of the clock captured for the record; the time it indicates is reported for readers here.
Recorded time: 6:54
